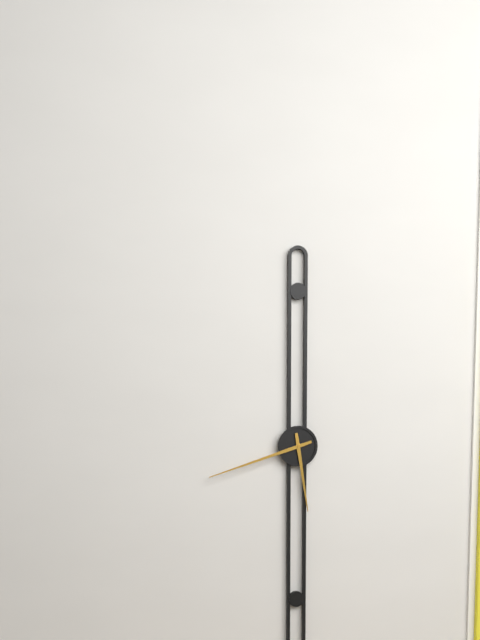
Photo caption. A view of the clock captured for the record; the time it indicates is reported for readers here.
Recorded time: 5:42
